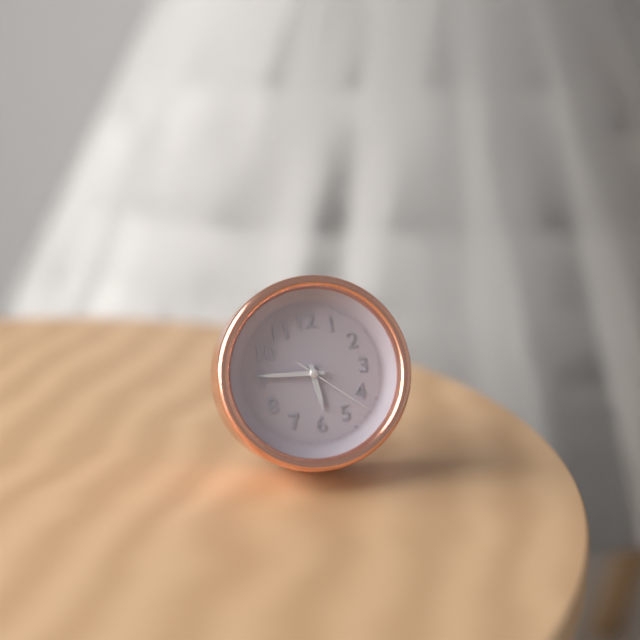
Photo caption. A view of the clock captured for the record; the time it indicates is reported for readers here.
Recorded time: 5:46:22
